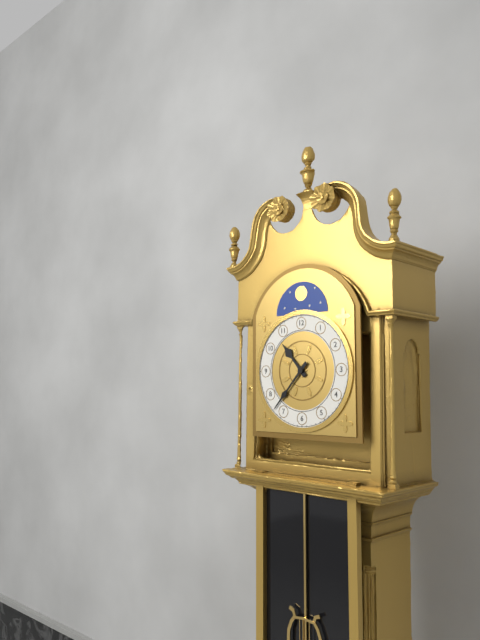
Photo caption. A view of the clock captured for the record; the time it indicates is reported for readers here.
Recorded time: 10:37
